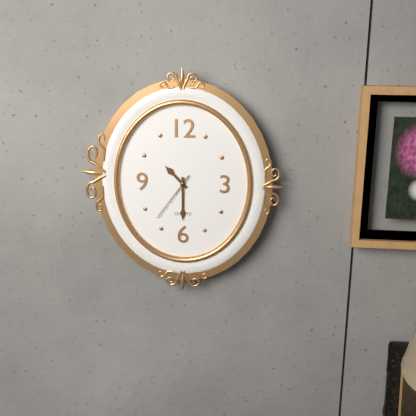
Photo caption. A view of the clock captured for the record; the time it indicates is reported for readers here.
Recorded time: 10:30:36
